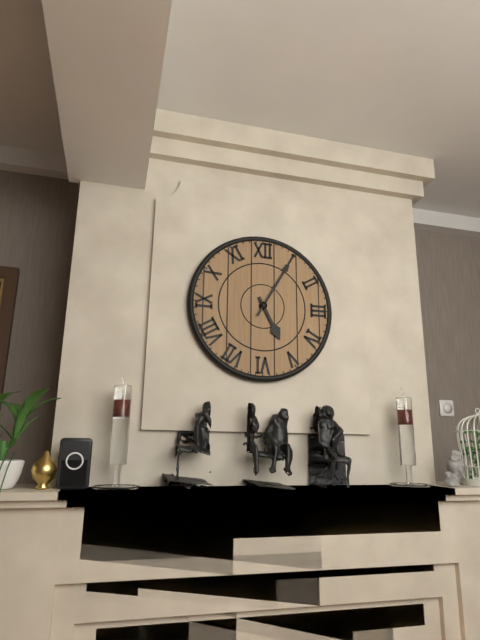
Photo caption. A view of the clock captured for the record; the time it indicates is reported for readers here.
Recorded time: 5:05
